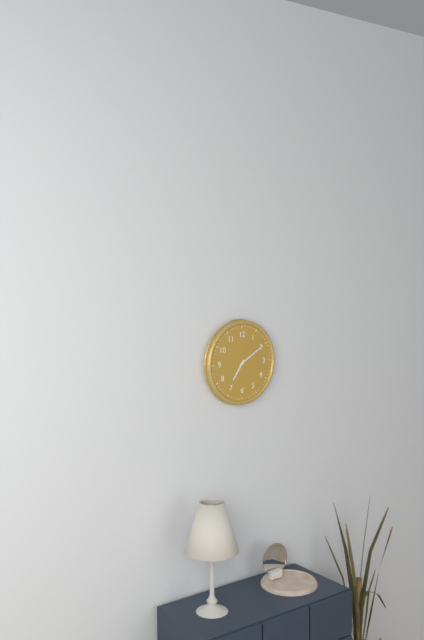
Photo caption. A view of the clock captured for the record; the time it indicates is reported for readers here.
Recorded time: 7:10
